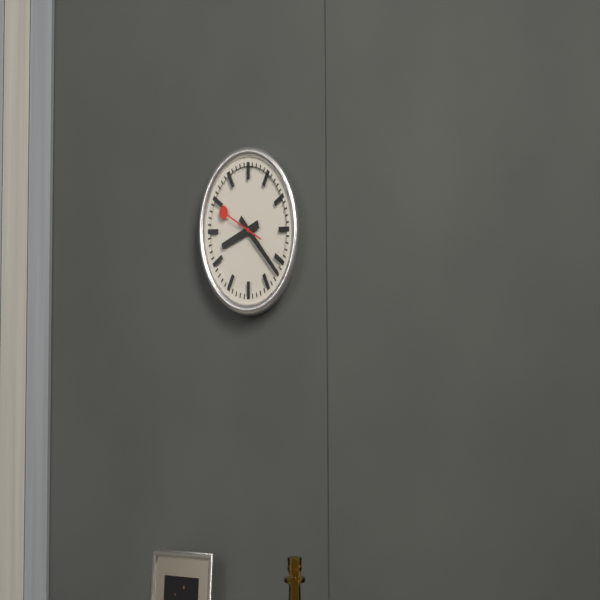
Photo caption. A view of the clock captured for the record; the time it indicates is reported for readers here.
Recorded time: 8:22
